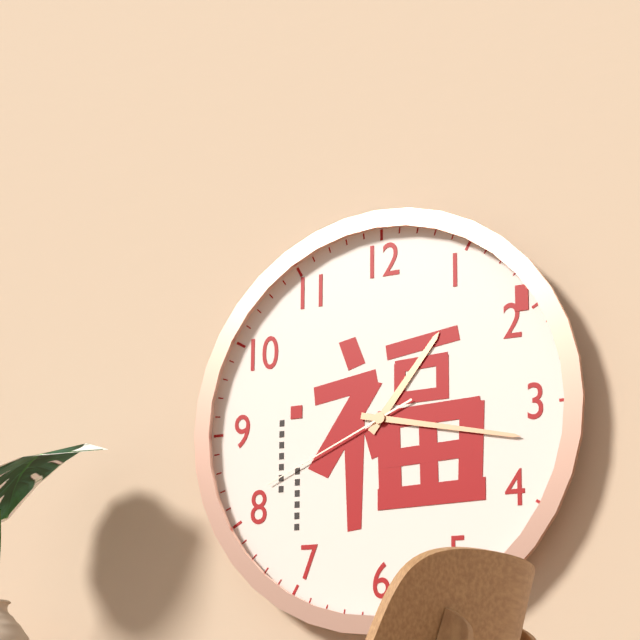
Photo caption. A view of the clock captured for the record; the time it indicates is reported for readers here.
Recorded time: 1:17:41
